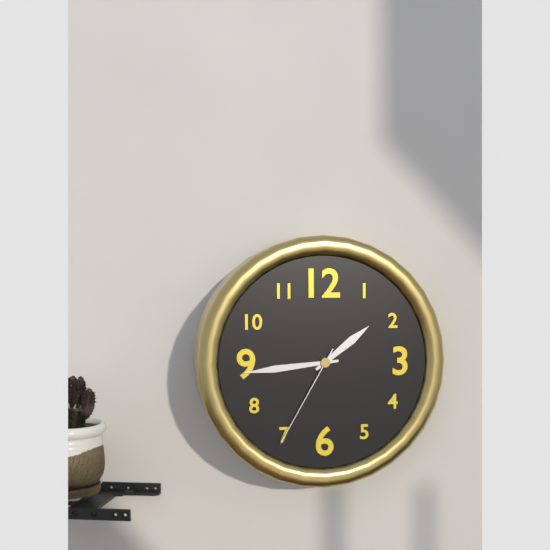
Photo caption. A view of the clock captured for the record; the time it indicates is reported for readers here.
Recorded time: 1:44:35
